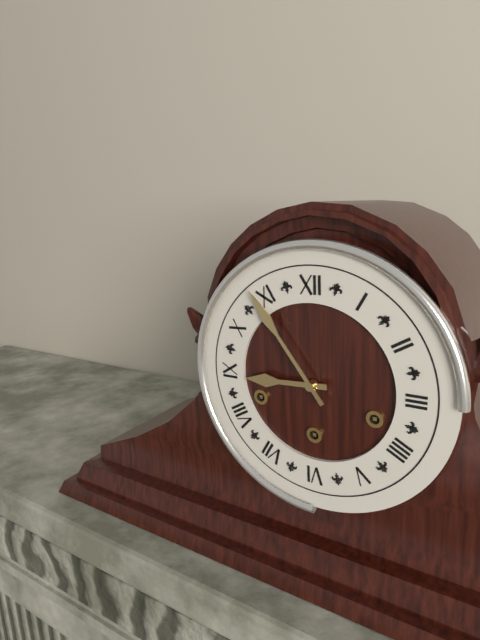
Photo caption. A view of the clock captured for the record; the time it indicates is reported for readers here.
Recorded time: 8:54
